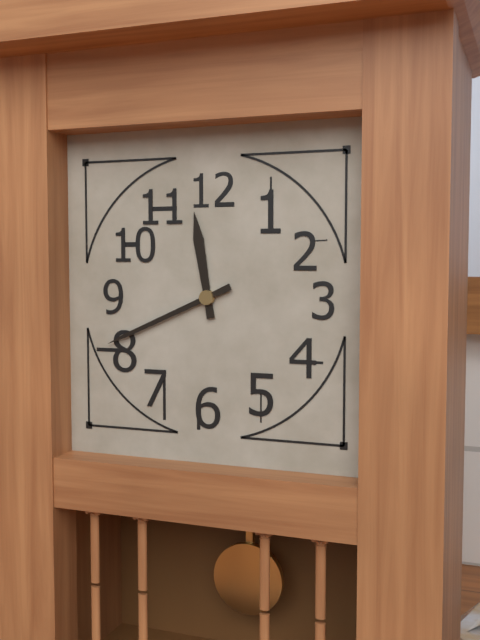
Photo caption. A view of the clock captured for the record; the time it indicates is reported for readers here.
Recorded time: 11:41
